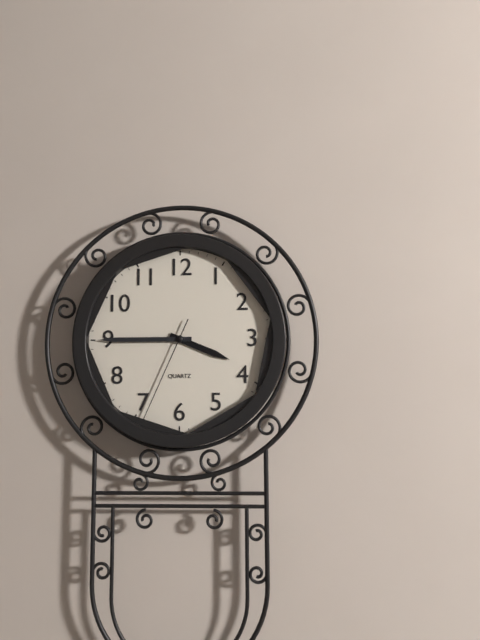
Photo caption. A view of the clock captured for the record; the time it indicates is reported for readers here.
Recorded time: 3:45:34
